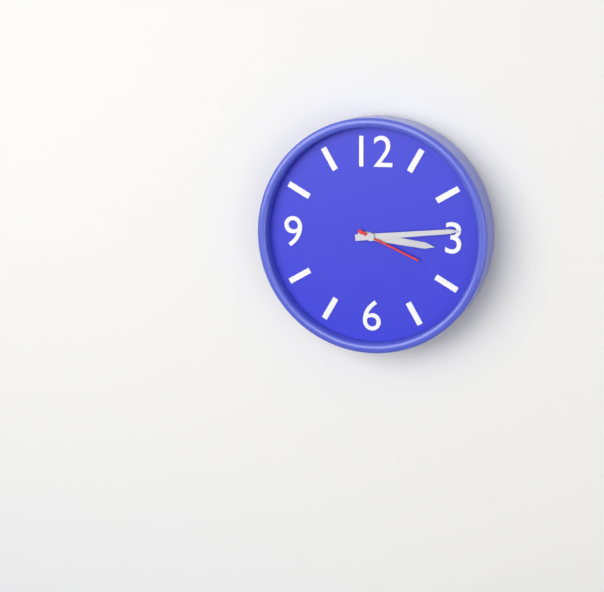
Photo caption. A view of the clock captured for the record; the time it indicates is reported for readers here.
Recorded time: 3:14:19
